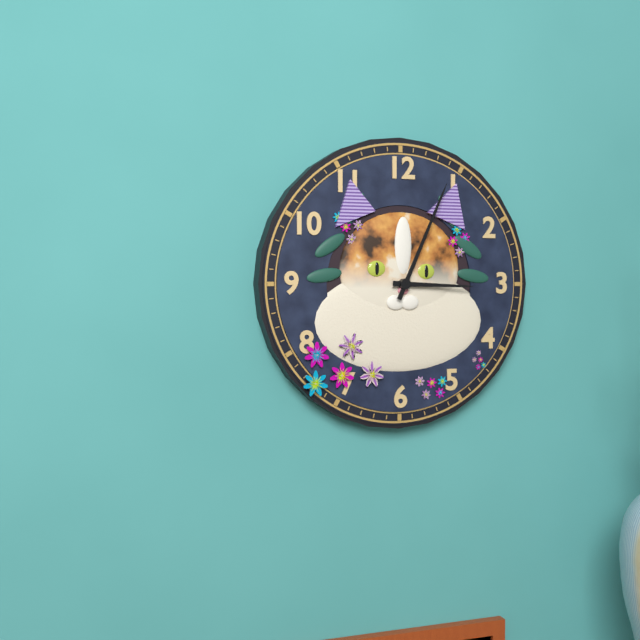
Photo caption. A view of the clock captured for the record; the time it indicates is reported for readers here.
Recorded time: 3:04
